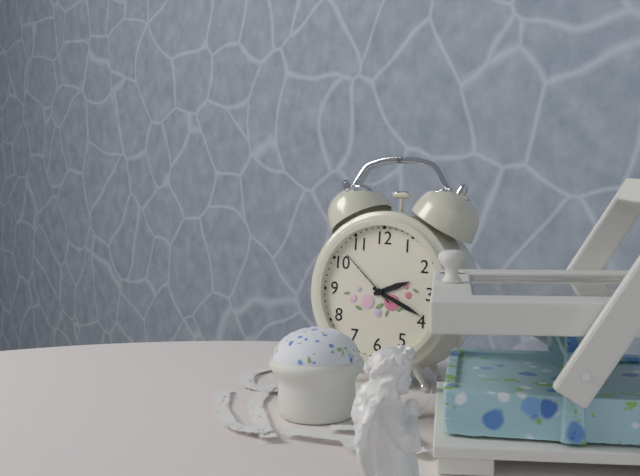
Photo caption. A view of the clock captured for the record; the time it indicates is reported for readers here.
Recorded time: 2:19:52
